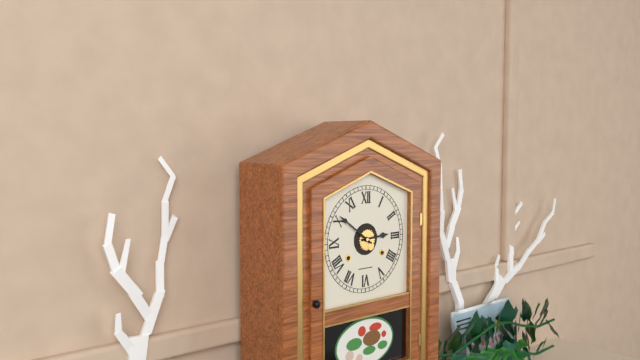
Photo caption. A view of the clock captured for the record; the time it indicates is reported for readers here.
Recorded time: 2:51
